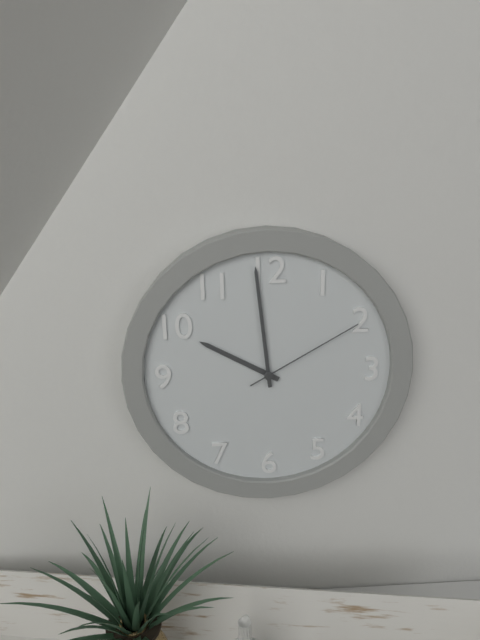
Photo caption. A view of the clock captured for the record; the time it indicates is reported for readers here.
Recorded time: 9:59:10
